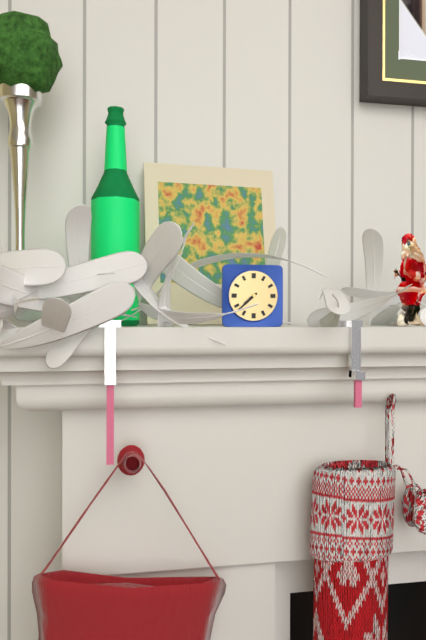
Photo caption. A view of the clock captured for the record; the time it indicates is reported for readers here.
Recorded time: 7:38
